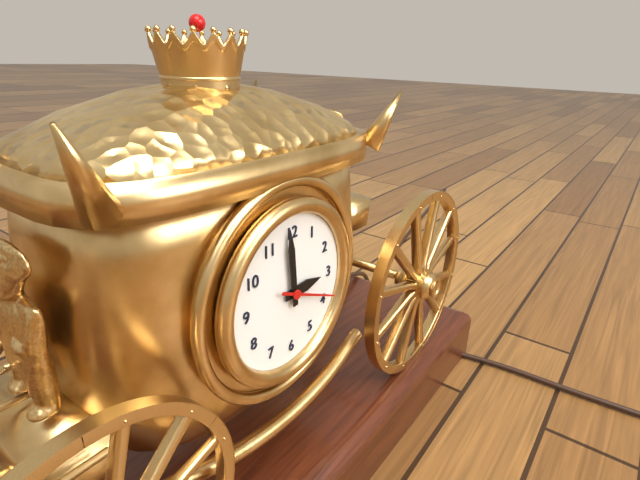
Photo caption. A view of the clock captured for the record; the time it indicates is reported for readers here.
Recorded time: 2:59
